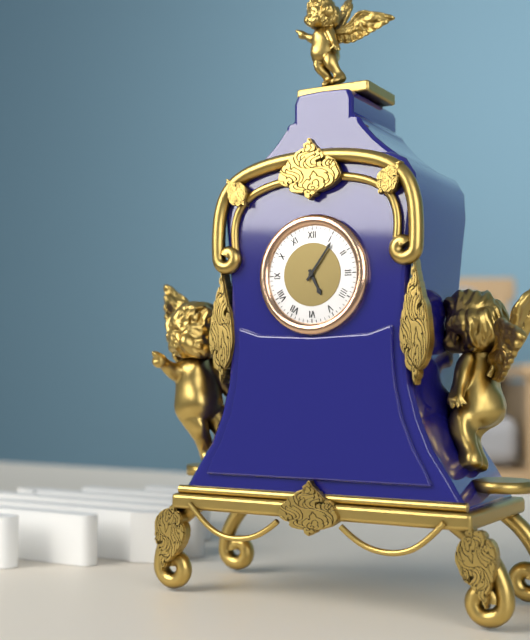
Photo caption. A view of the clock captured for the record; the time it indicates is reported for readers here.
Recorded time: 5:06
